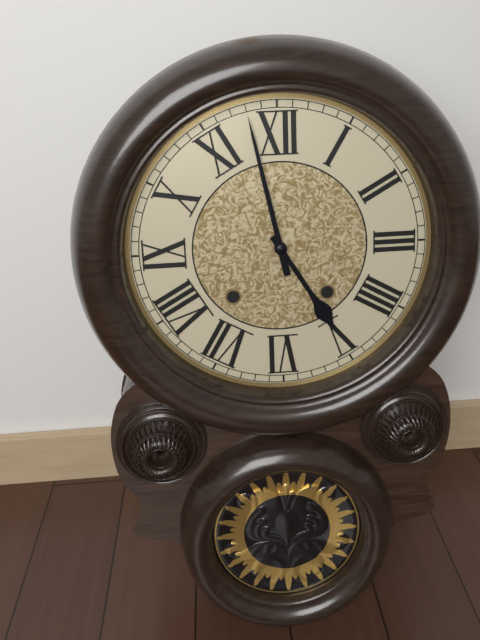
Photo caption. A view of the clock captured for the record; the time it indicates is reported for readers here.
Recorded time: 4:58
